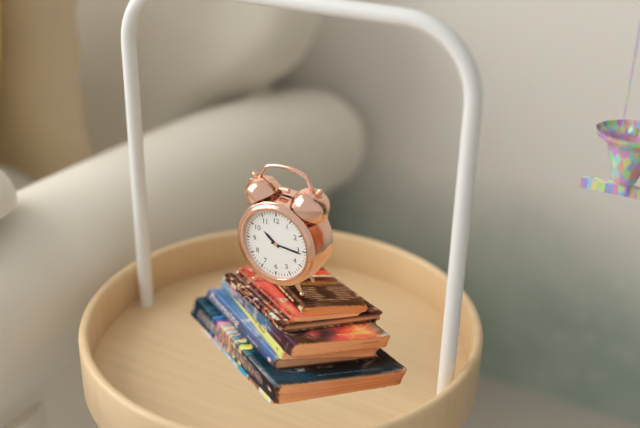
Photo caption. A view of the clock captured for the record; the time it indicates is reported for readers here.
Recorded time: 10:16
